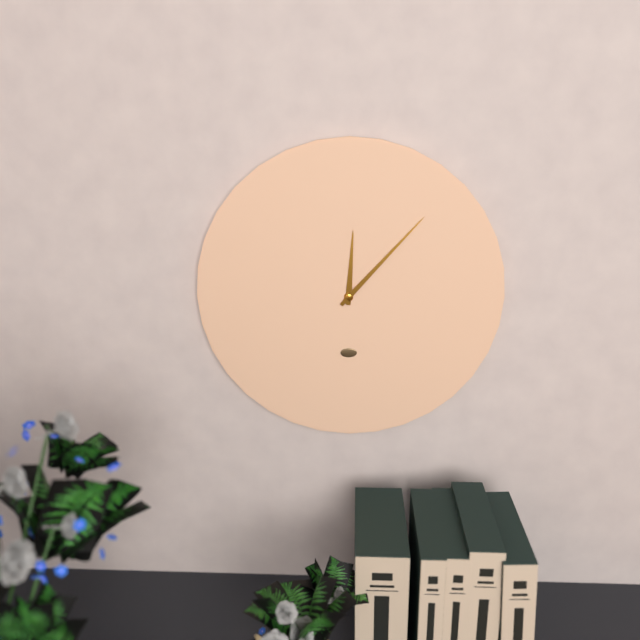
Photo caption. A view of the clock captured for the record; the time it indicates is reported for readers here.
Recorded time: 12:07
